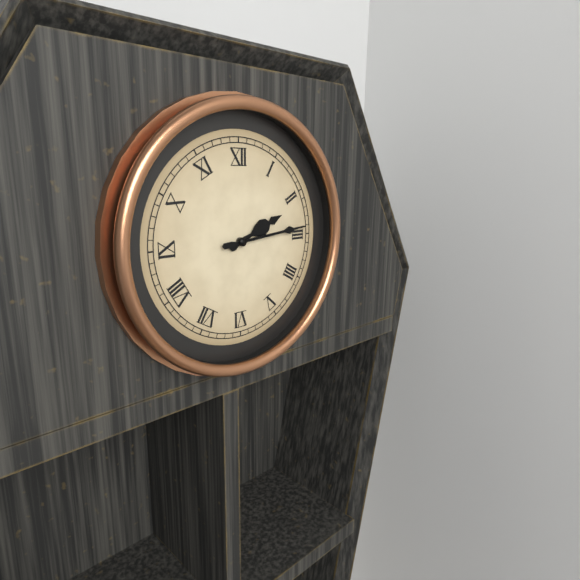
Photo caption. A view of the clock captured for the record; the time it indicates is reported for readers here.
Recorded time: 2:14
